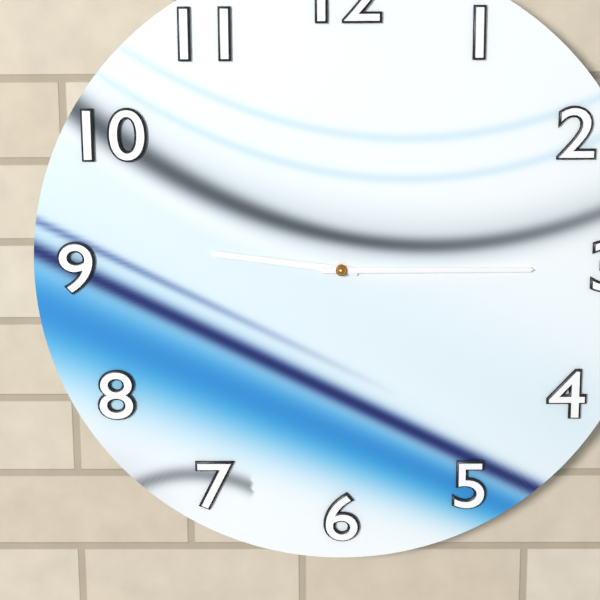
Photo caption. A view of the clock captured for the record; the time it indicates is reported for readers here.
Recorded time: 9:15
